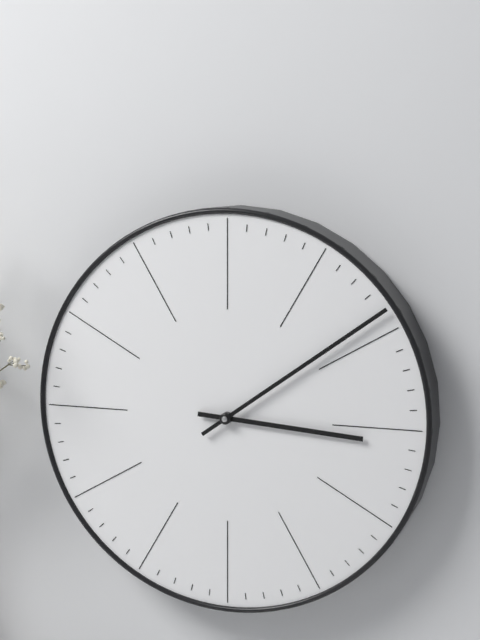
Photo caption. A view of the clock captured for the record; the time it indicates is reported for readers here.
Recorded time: 3:09
